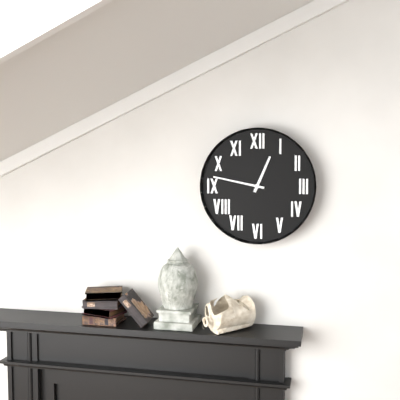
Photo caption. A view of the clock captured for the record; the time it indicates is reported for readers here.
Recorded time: 12:47
